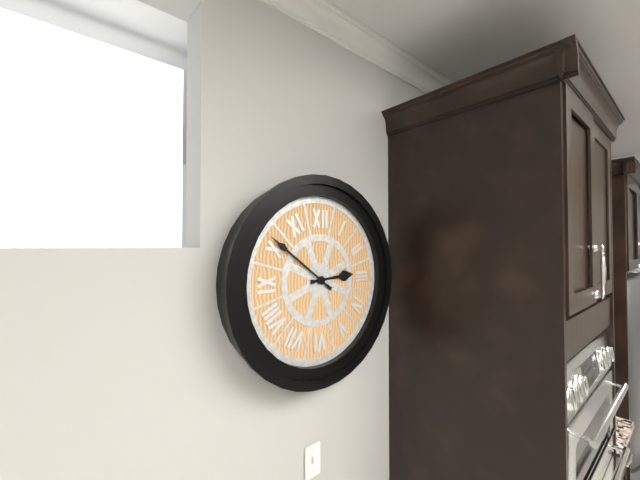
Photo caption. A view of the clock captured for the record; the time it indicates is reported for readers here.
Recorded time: 2:51
